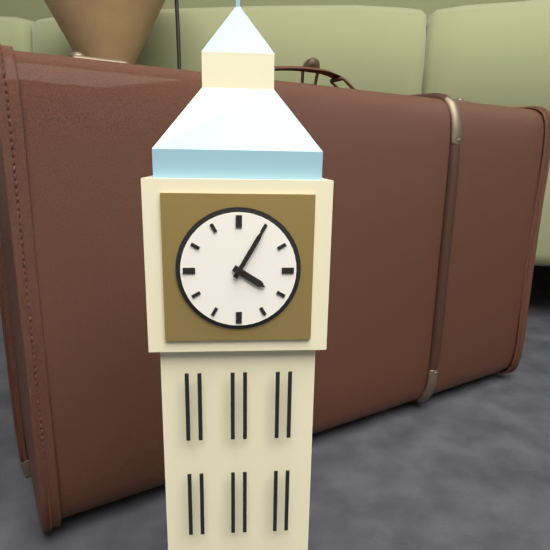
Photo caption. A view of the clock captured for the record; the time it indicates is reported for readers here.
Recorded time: 4:05
